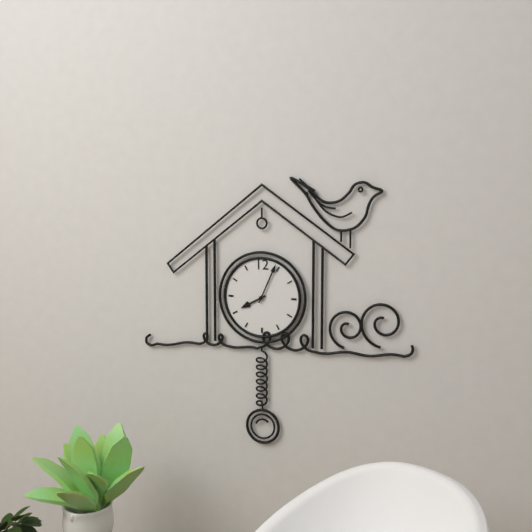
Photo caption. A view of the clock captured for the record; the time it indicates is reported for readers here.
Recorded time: 8:04
